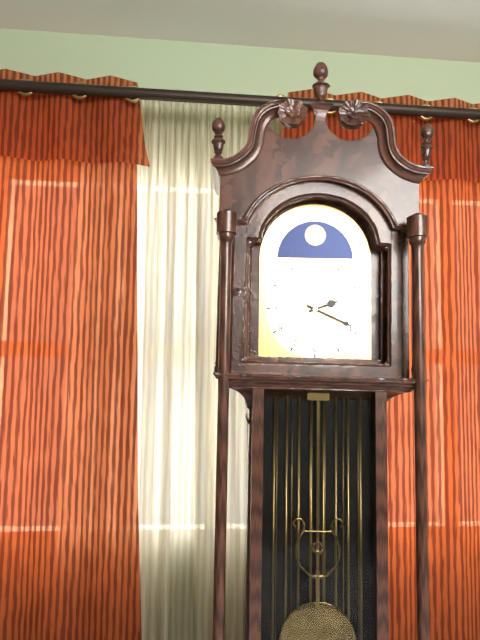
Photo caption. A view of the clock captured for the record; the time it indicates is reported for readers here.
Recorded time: 2:19
